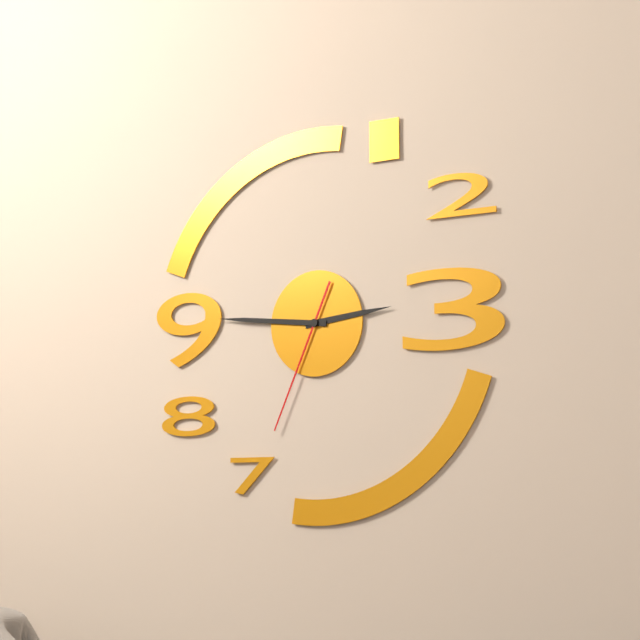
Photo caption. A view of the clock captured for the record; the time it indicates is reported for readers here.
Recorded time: 2:46:34
